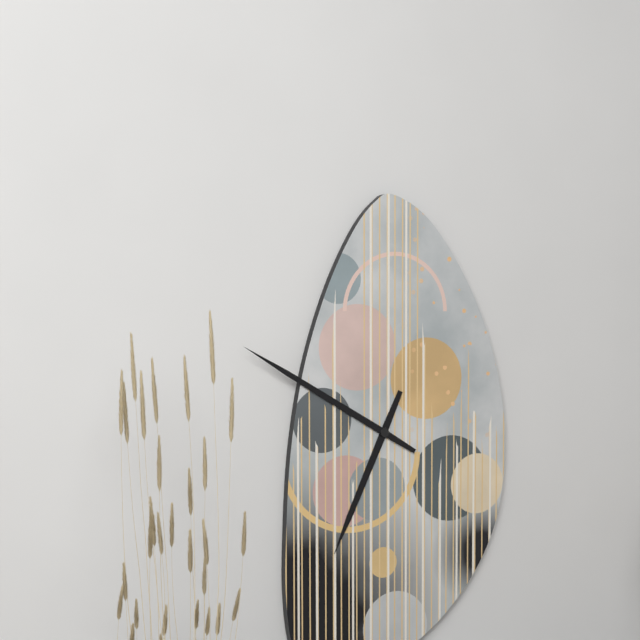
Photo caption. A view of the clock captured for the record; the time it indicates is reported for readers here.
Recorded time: 6:50
